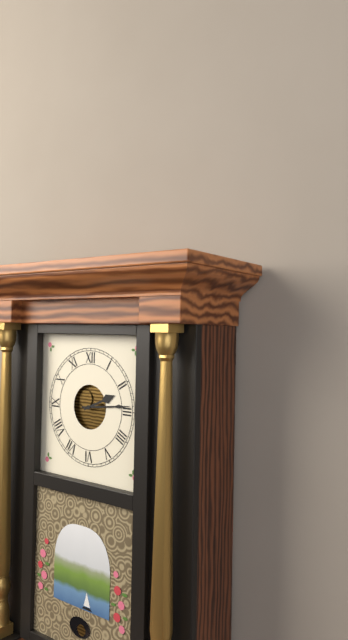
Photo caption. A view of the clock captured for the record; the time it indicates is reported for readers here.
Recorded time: 2:14
